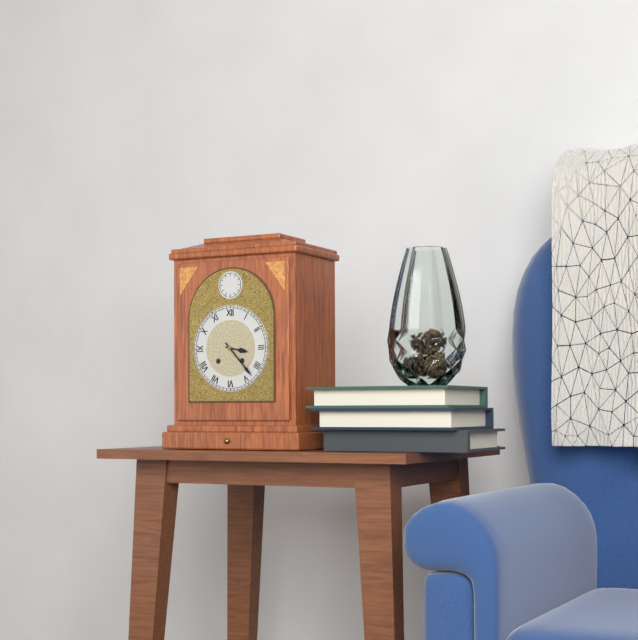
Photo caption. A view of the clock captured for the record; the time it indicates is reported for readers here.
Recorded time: 3:23
